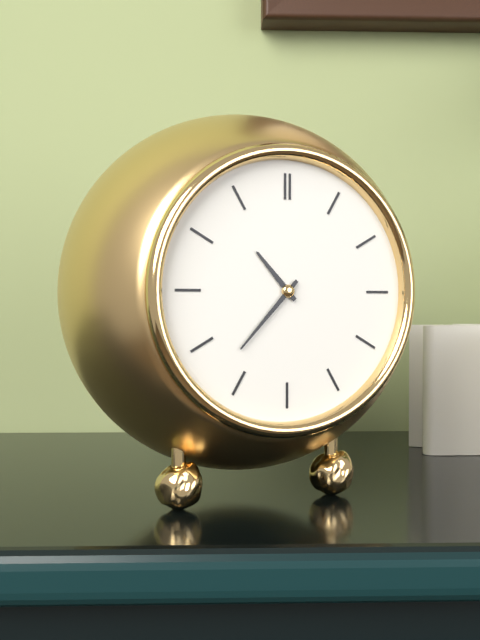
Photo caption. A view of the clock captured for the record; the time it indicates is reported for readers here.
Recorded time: 10:37
